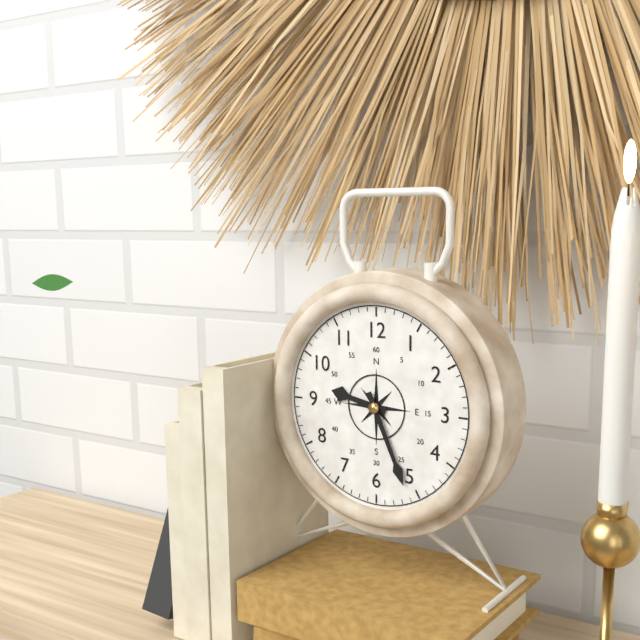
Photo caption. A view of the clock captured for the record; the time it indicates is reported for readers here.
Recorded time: 9:26
